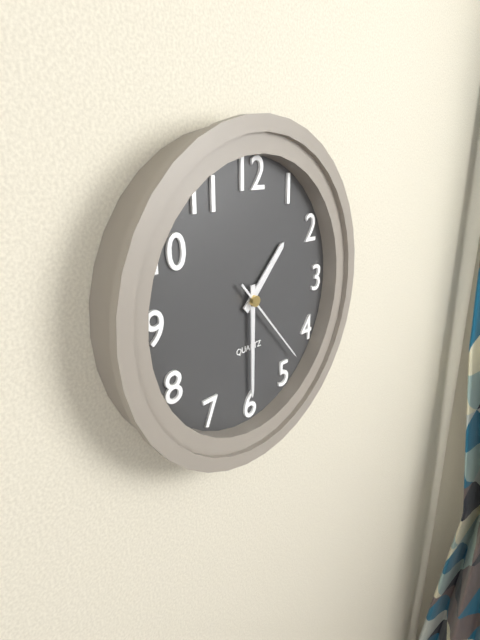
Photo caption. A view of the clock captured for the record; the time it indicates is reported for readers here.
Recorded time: 1:30:23
